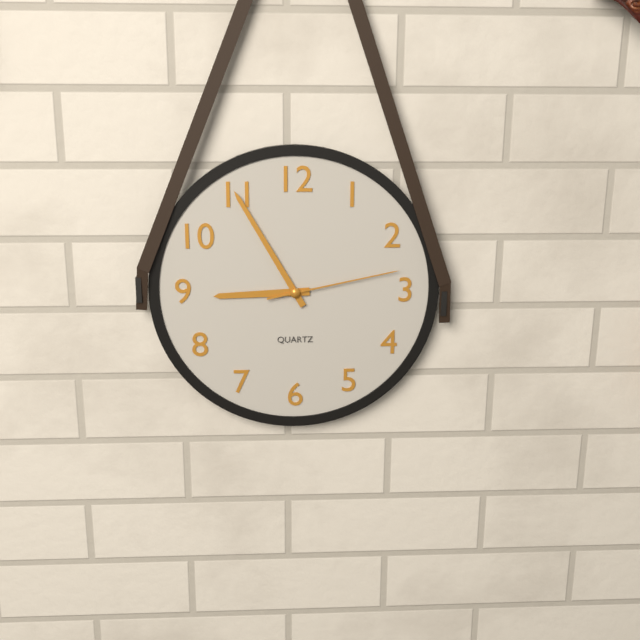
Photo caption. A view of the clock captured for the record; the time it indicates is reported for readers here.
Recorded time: 8:55:13
